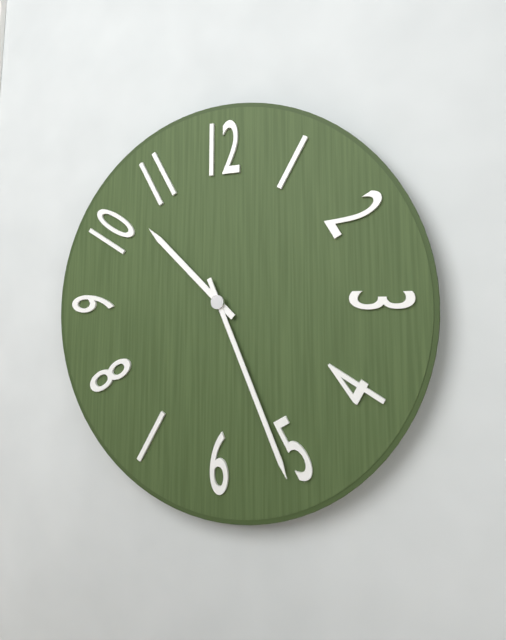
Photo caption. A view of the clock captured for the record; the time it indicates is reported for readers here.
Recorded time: 10:26
